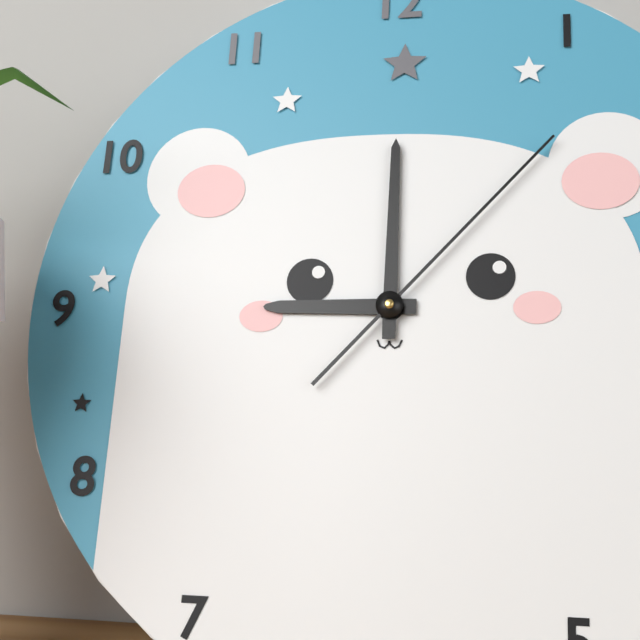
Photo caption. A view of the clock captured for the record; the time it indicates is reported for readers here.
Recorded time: 9:00:07
